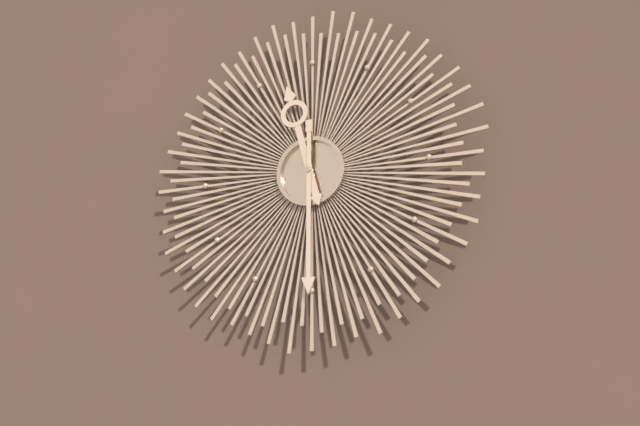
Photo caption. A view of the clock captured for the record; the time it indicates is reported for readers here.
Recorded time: 11:30
